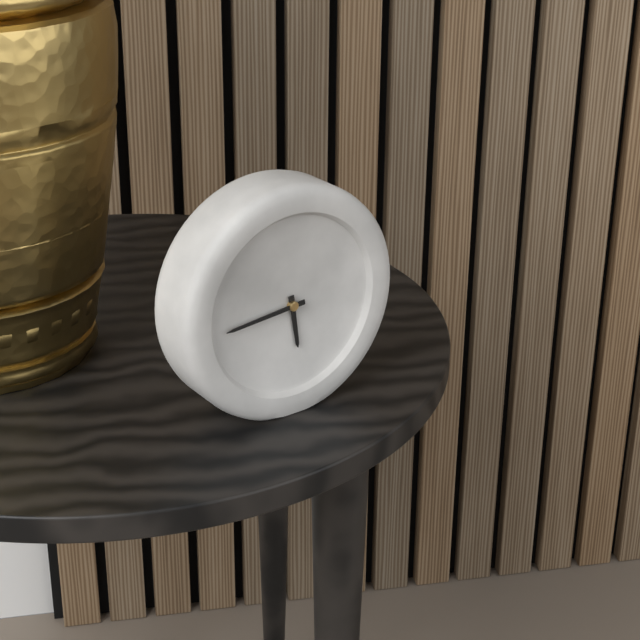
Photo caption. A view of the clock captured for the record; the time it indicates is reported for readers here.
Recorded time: 5:44
